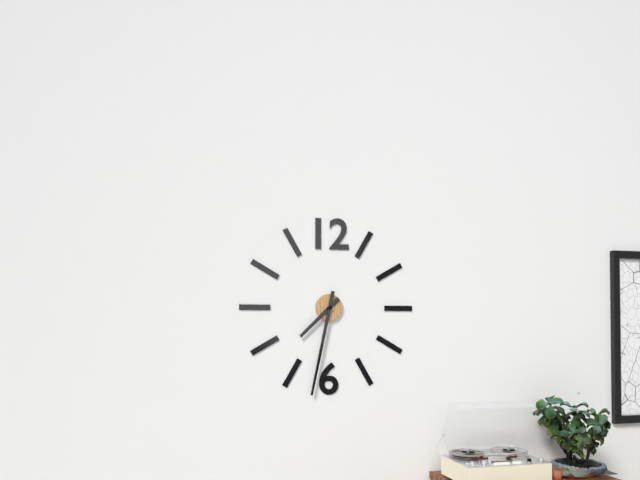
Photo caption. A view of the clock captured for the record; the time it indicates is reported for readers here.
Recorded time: 7:32
